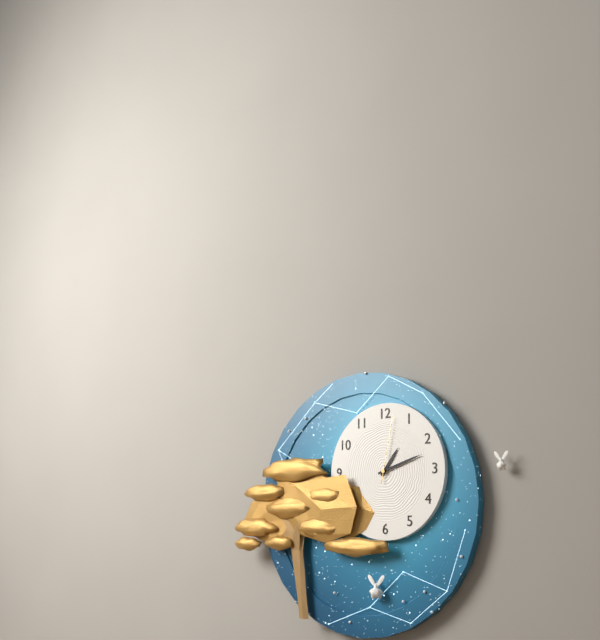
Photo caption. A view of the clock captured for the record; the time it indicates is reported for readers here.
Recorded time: 1:12:02
